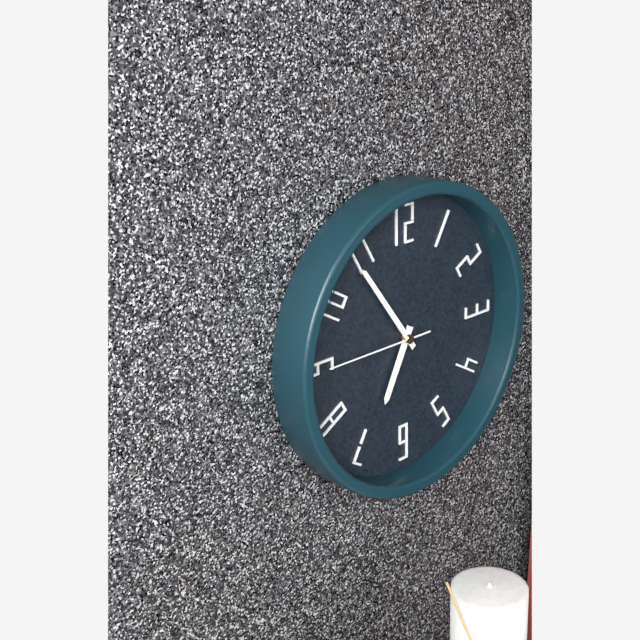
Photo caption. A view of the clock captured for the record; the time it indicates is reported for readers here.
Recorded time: 6:54:45
